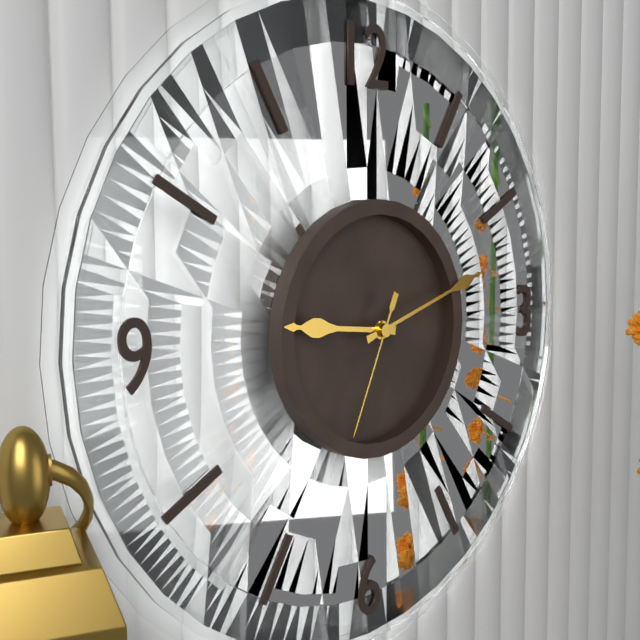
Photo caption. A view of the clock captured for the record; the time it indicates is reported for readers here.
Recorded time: 9:12:34
